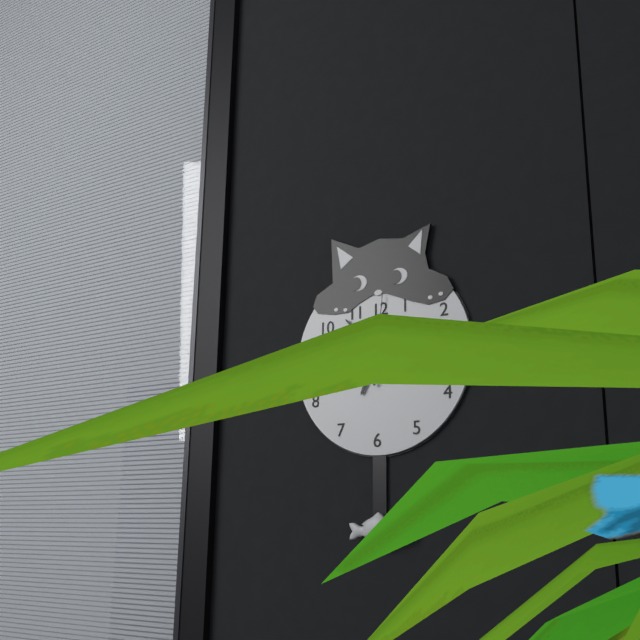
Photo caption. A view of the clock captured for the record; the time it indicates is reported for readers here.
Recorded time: 6:53:01
